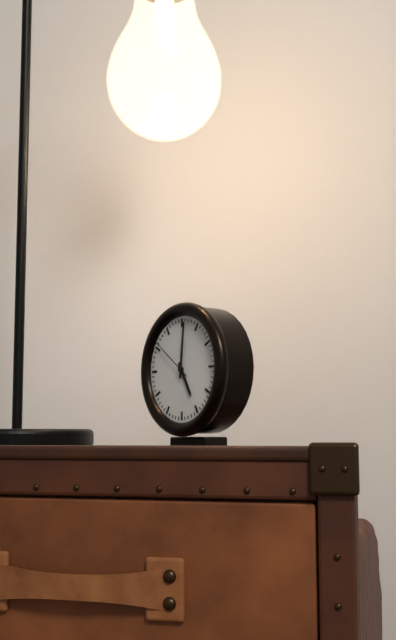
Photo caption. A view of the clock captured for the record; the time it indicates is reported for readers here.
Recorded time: 5:01
